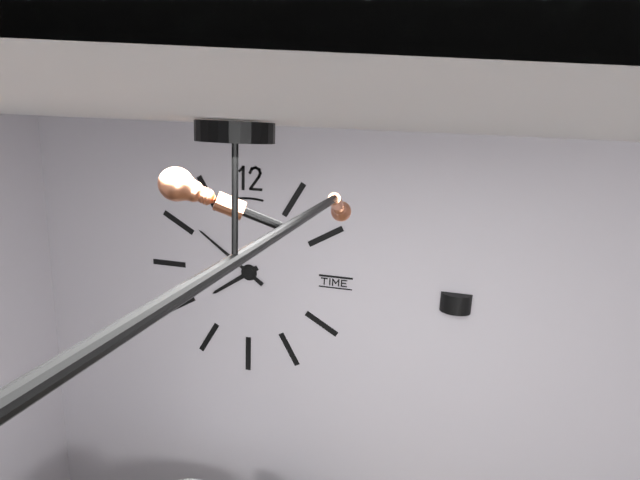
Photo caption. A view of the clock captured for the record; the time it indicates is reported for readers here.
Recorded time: 7:51
